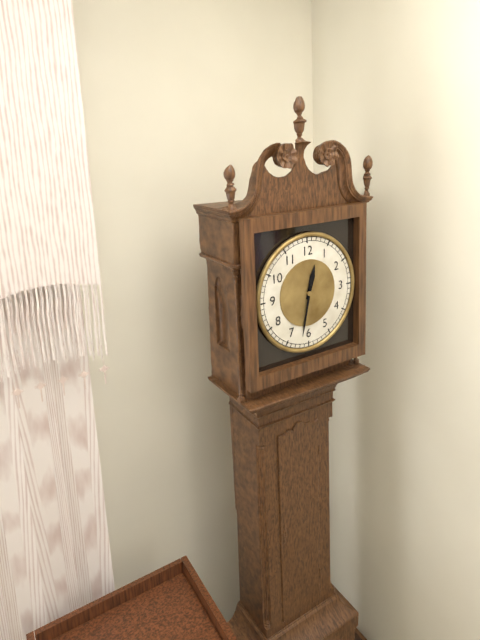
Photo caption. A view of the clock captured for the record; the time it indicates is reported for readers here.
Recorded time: 12:32
